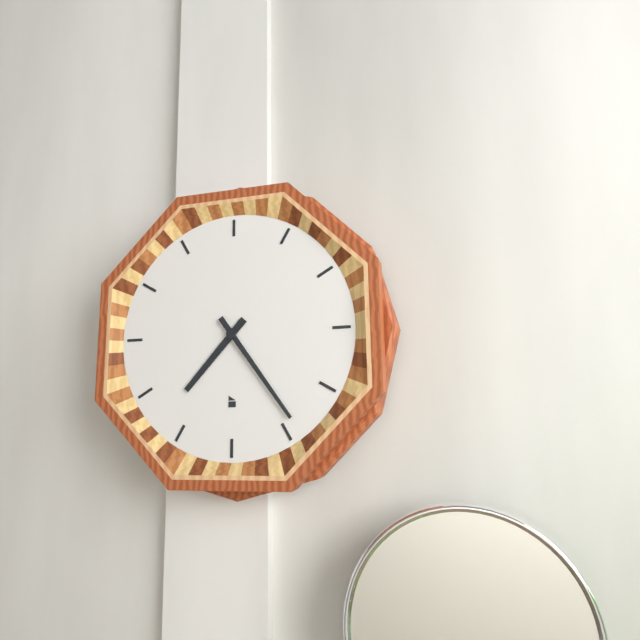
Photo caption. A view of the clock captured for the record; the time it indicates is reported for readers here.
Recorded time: 7:24
